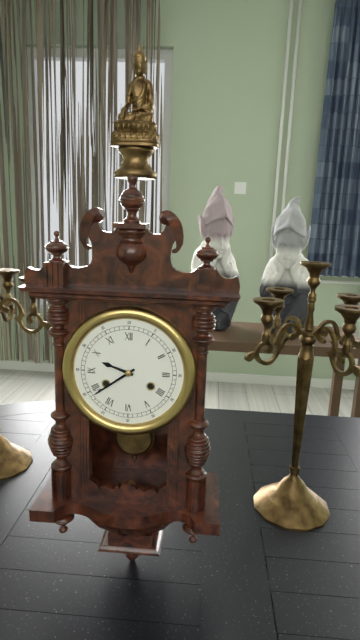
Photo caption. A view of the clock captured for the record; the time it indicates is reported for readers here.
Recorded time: 9:39
